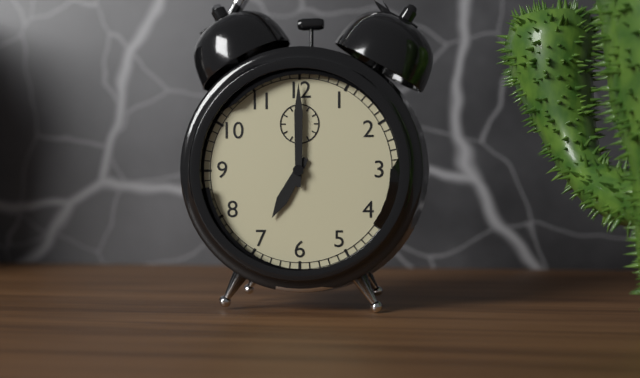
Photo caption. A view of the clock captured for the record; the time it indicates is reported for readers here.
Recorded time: 7:00
